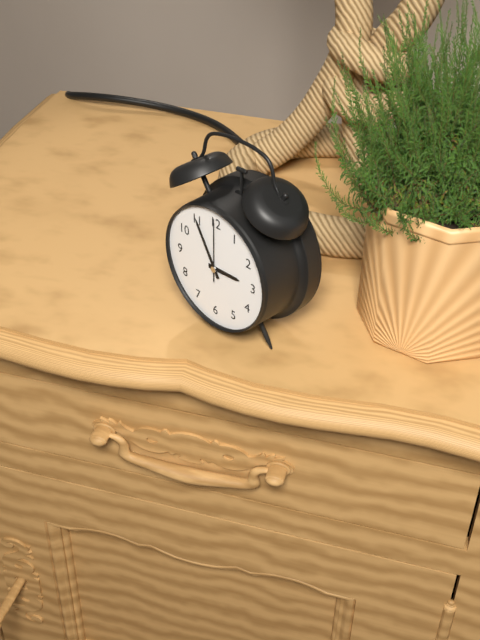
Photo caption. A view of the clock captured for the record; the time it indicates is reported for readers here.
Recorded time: 2:55:00
